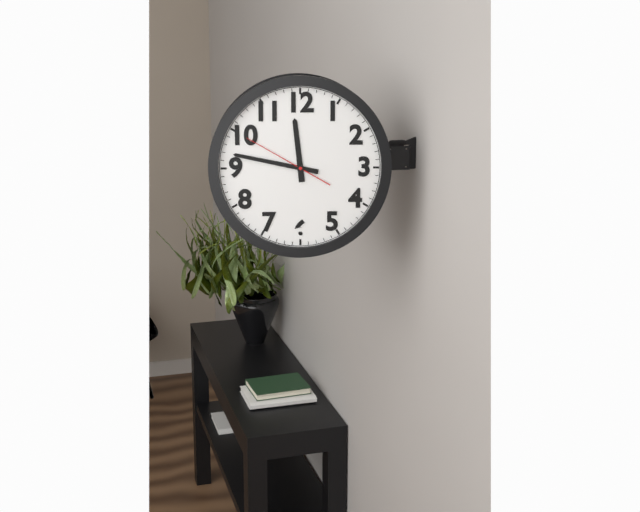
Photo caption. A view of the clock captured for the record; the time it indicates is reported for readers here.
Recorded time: 11:47:50
